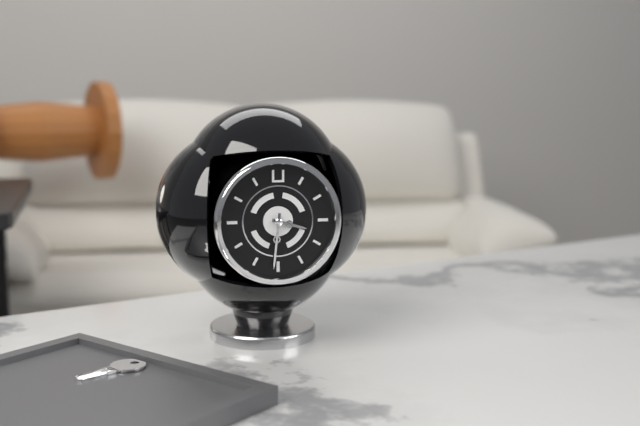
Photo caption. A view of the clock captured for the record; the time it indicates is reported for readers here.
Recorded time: 3:31
